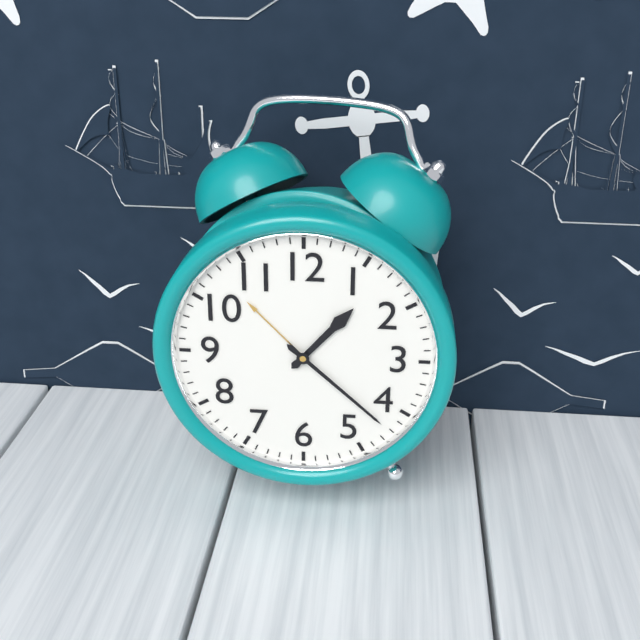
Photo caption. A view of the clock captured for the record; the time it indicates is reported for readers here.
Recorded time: 1:22
